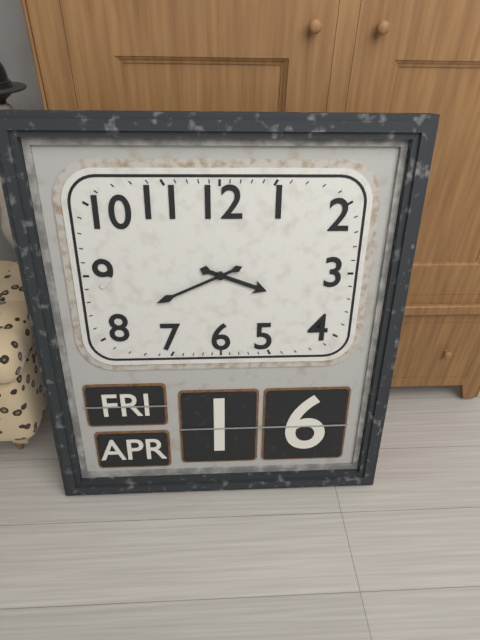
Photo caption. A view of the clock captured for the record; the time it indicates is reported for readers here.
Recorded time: 3:41
